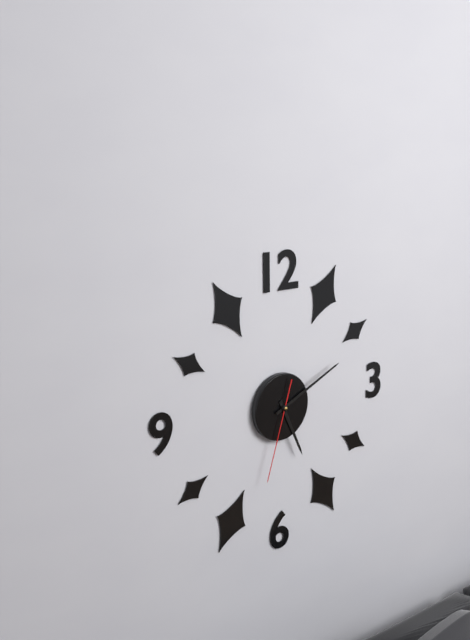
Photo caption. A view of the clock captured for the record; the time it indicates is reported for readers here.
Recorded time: 5:11:33
